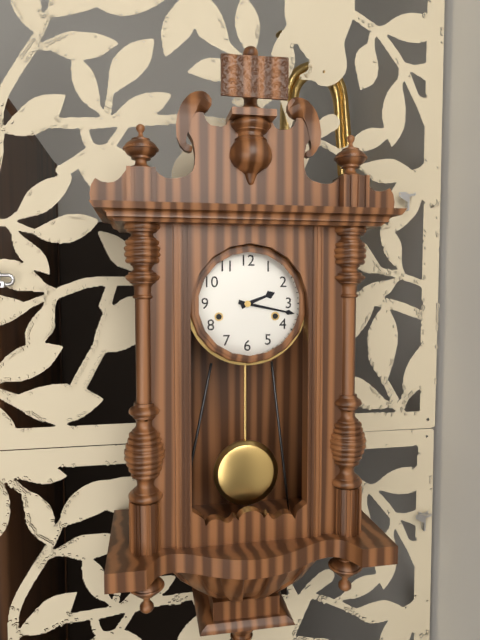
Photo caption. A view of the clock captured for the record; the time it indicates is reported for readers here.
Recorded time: 2:17
